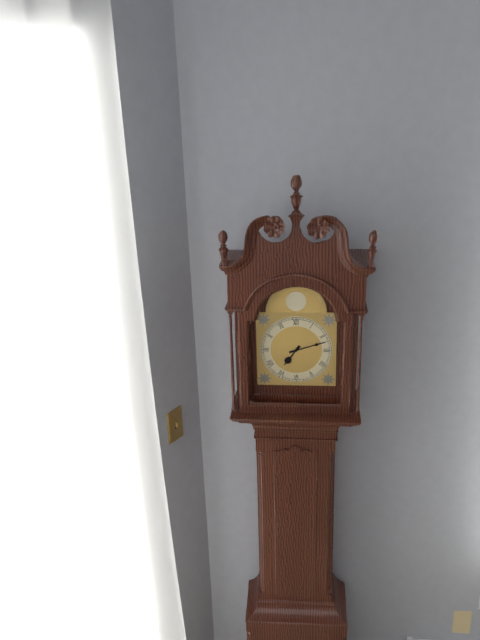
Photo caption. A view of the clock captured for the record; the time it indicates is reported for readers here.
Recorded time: 7:12
